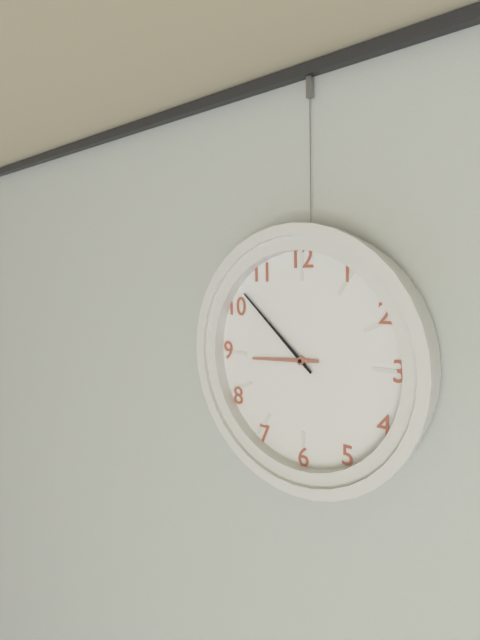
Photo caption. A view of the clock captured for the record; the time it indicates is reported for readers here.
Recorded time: 8:52
